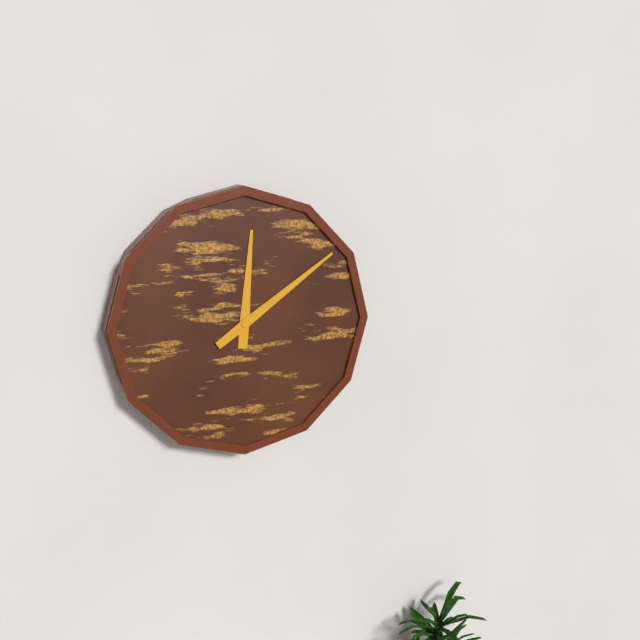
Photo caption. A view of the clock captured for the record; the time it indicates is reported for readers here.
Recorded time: 12:09
